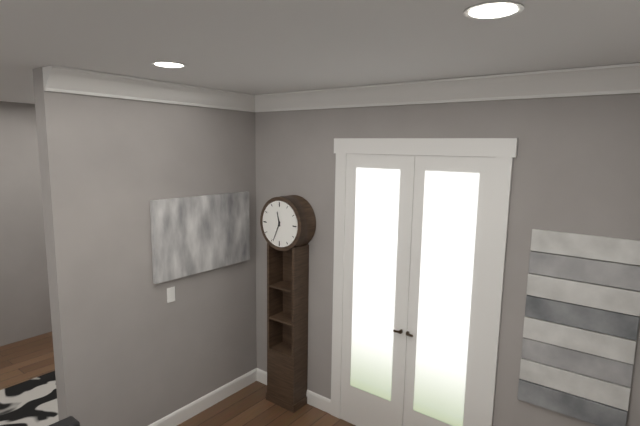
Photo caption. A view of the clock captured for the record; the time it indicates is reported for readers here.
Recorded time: 11:34
